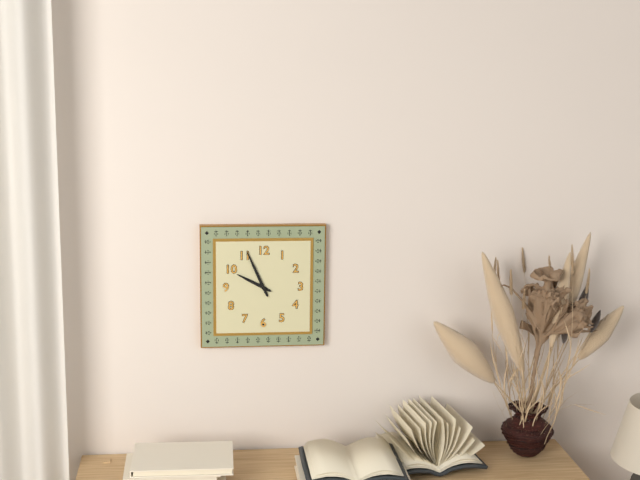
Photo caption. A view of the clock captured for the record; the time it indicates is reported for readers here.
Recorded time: 9:56
